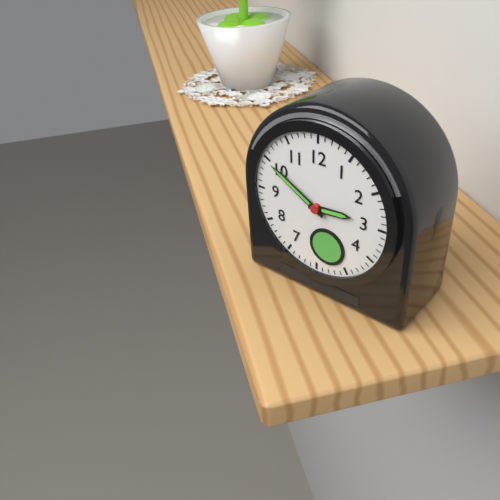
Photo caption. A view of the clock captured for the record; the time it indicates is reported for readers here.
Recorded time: 2:50
